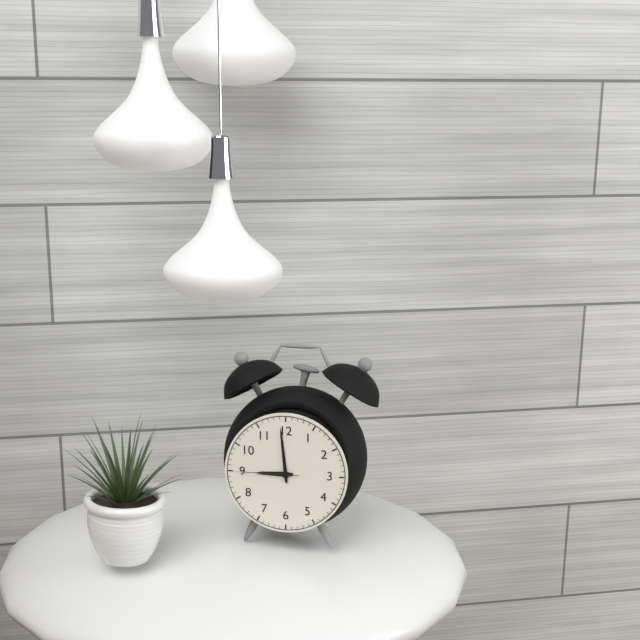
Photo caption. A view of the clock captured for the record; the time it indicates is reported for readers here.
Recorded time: 8:59:45
